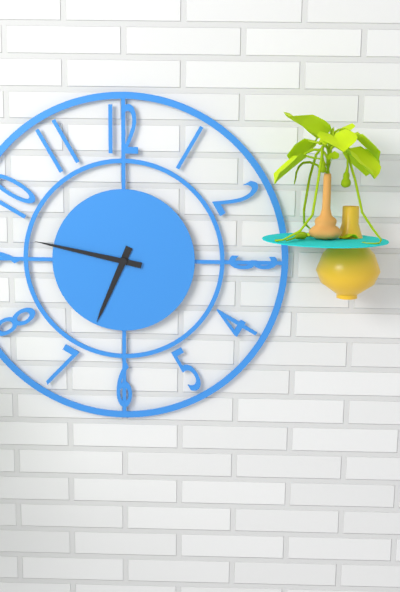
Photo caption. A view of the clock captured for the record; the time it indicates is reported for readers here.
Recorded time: 6:47
